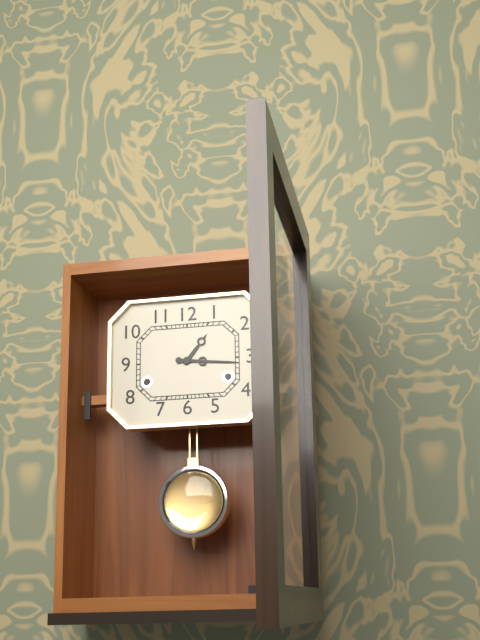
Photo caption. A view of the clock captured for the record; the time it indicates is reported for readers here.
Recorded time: 1:16
